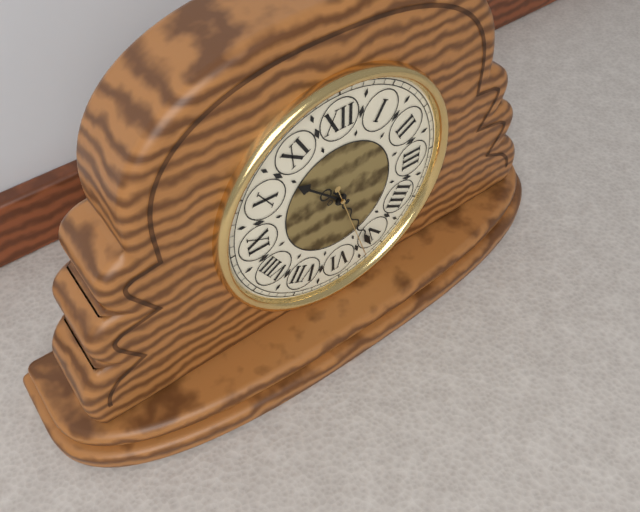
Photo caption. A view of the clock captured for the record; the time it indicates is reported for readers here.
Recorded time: 10:26:27
